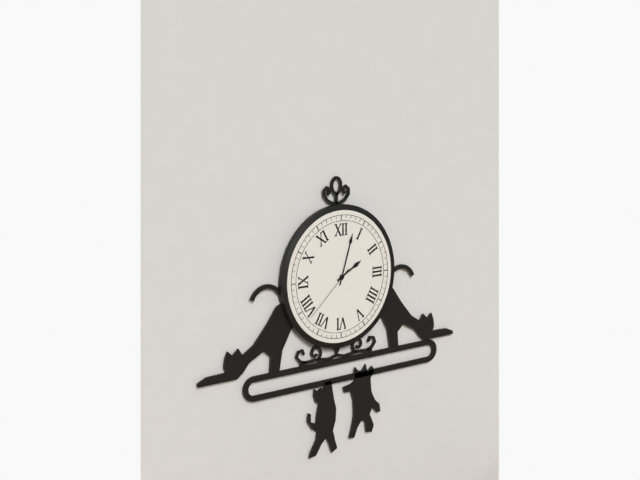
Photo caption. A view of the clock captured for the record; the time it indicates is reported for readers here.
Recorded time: 2:03:38
